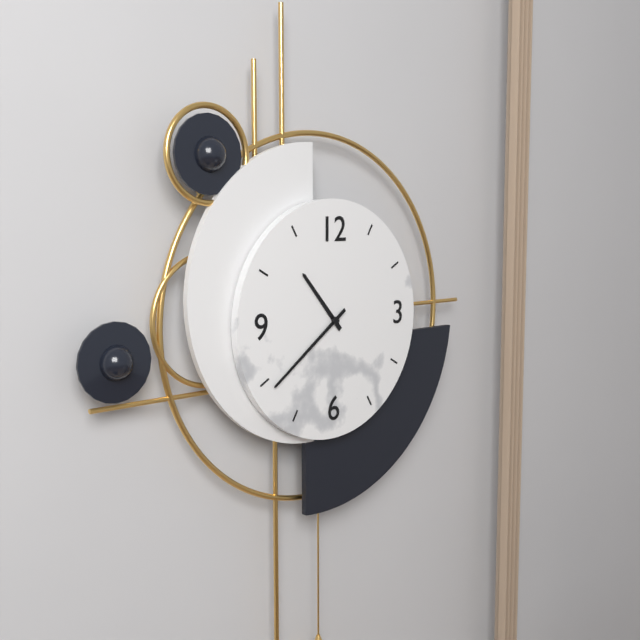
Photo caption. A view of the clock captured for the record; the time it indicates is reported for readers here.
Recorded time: 10:39
